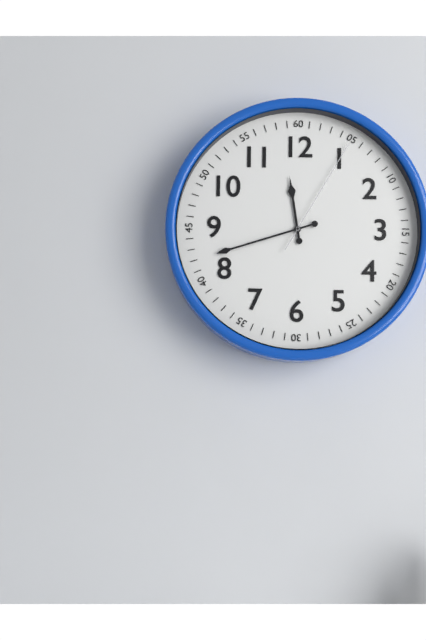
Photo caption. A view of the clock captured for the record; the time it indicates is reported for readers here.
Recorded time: 11:42:05
